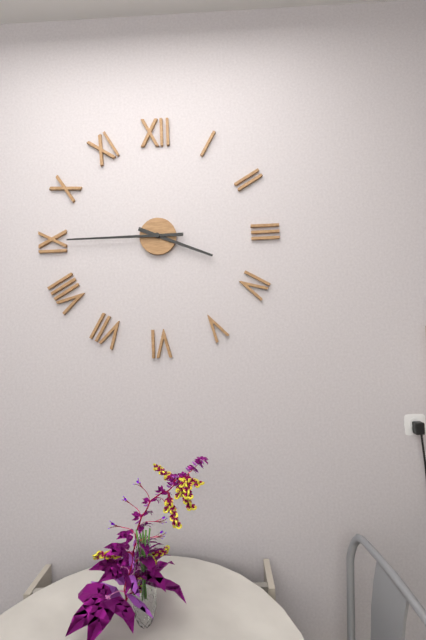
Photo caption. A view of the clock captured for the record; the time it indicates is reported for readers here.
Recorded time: 3:45
